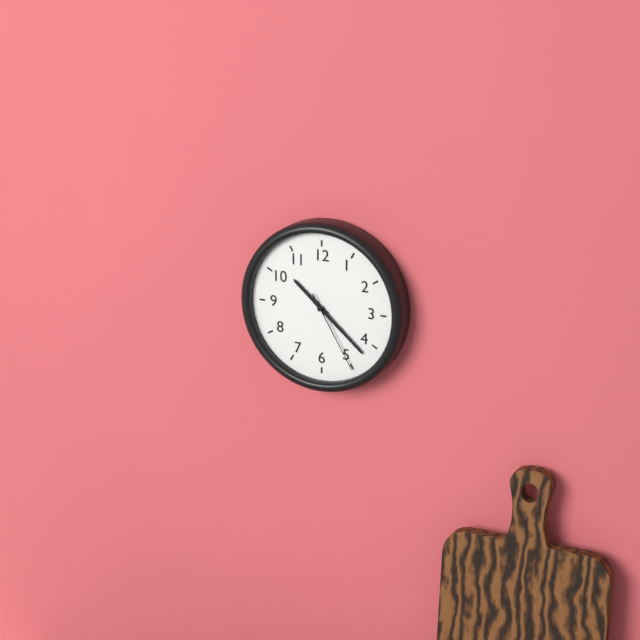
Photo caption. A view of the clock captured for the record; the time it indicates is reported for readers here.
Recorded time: 10:22:25
